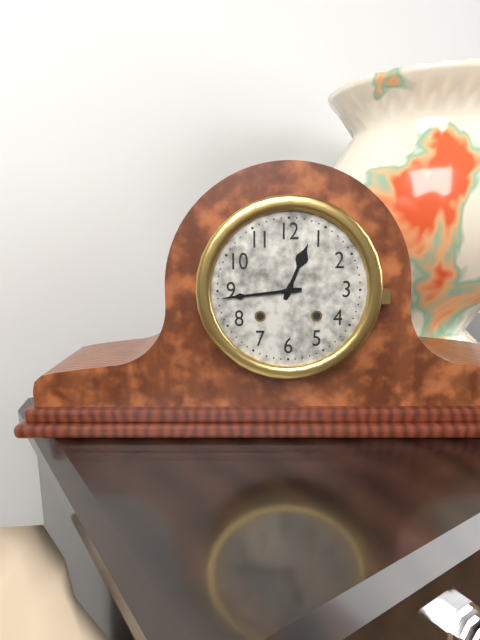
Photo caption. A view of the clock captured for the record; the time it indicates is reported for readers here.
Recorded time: 12:44
